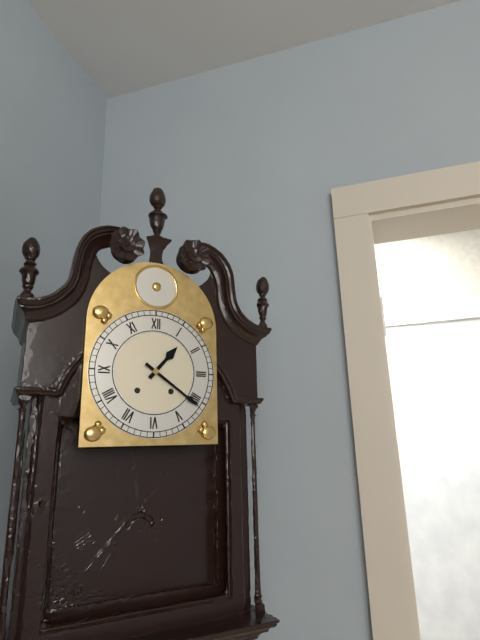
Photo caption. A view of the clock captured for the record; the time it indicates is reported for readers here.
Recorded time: 1:21
